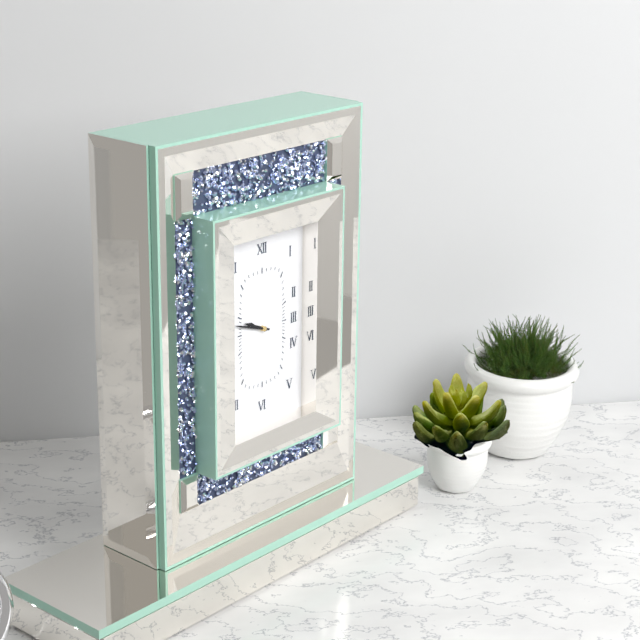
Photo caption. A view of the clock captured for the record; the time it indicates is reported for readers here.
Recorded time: 9:48
